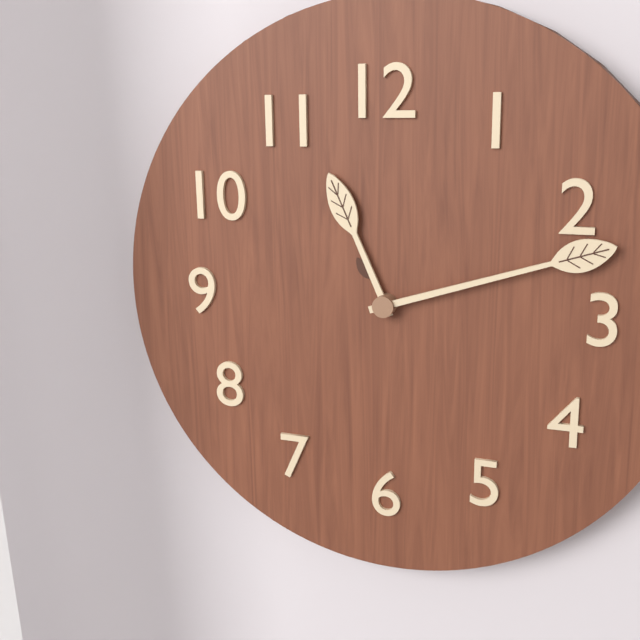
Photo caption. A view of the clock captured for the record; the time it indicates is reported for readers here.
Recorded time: 11:12
